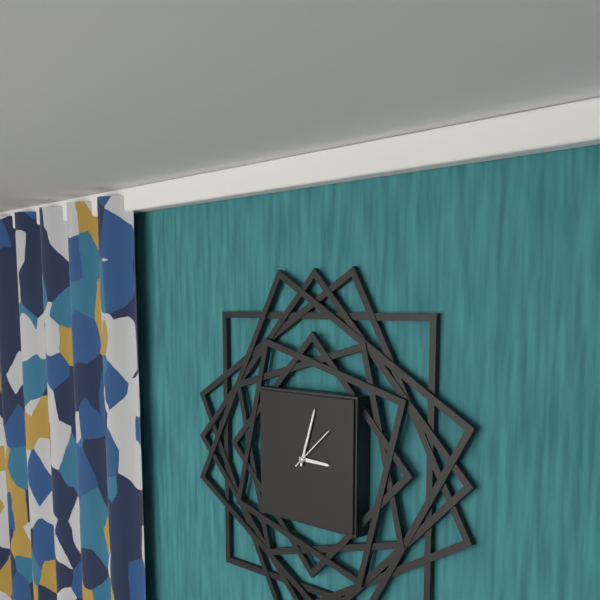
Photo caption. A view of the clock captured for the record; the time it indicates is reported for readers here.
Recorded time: 3:03:08
